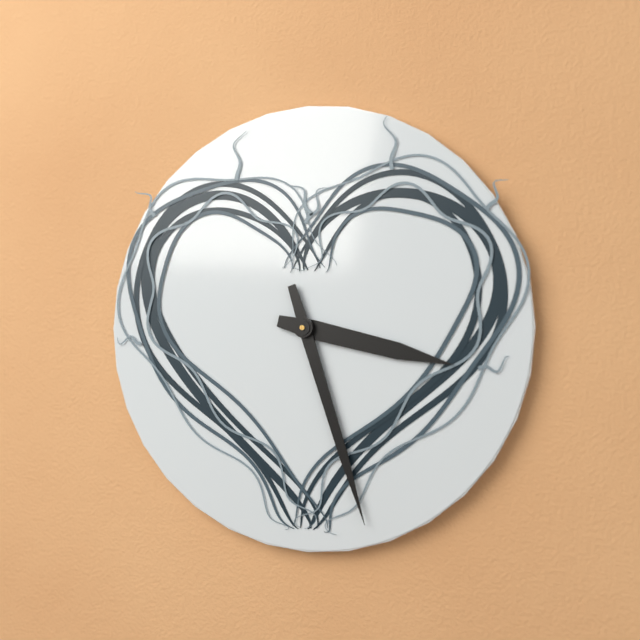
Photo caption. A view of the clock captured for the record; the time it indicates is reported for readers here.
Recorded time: 3:27
